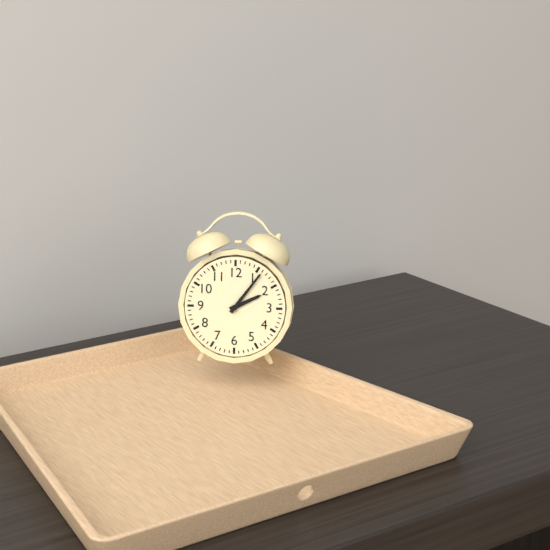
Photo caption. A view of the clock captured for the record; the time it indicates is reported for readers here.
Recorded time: 2:06
